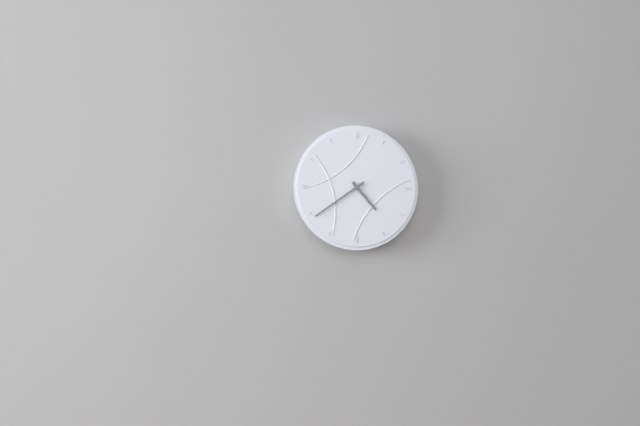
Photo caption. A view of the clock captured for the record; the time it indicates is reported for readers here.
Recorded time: 4:39
